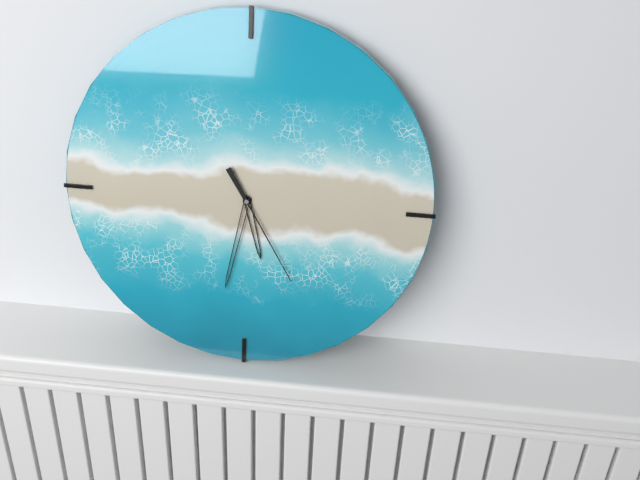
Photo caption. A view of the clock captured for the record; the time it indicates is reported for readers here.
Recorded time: 5:32:25
